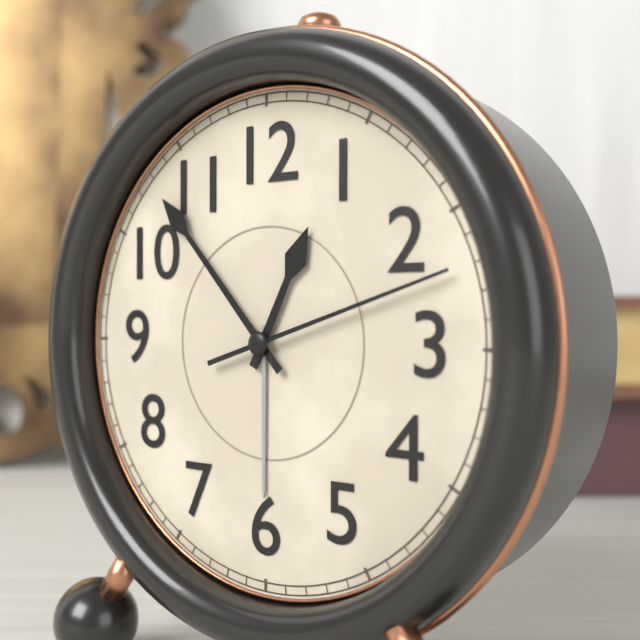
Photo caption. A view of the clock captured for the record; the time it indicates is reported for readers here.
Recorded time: 12:53:12
